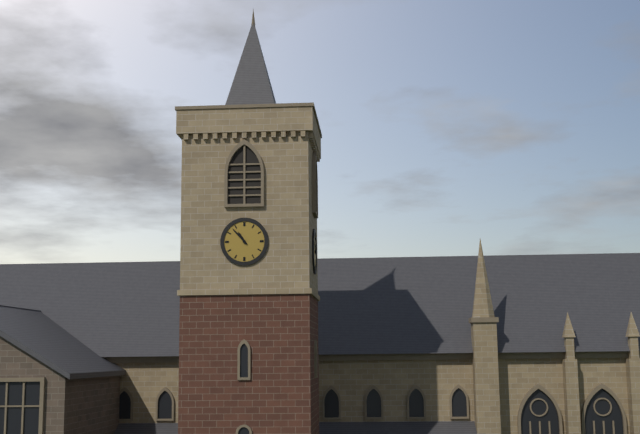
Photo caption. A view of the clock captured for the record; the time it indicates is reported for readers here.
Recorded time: 10:53
